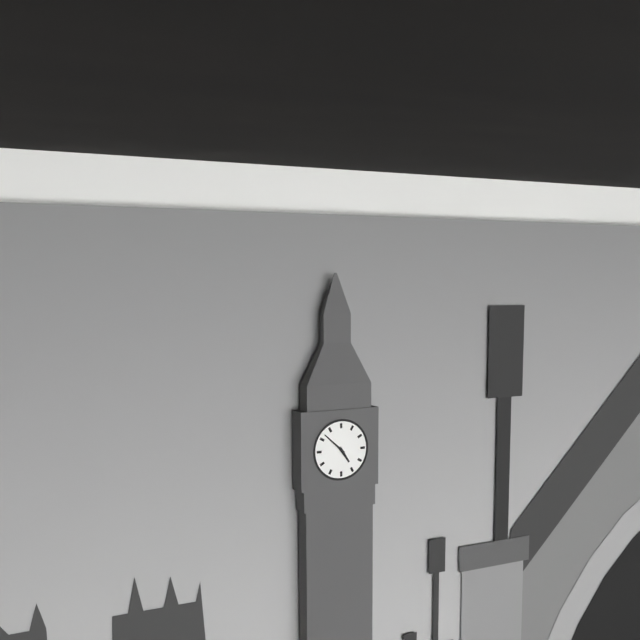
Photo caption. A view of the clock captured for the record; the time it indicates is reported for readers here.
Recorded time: 4:52
